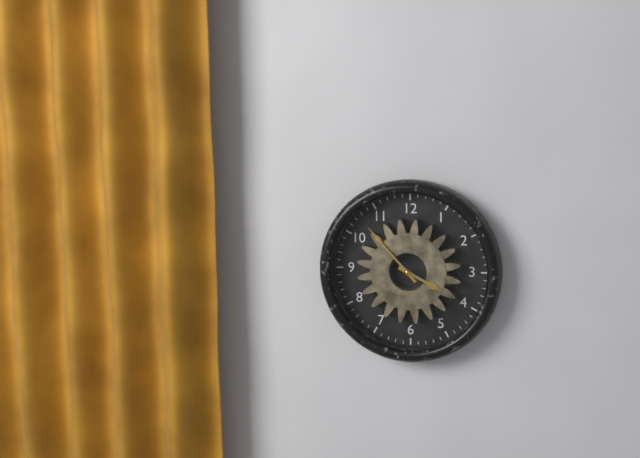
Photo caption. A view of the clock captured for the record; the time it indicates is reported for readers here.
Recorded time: 3:53
